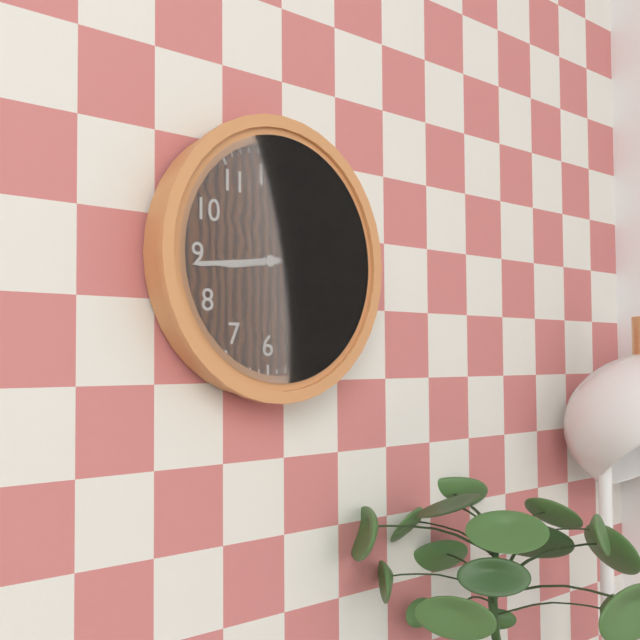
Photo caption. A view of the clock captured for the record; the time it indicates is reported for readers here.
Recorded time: 8:44
